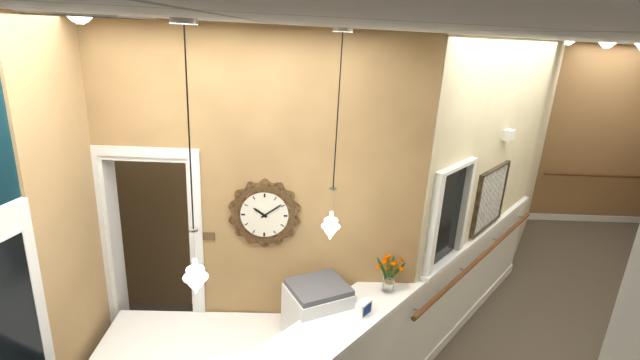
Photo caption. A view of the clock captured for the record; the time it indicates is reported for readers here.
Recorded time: 10:09
